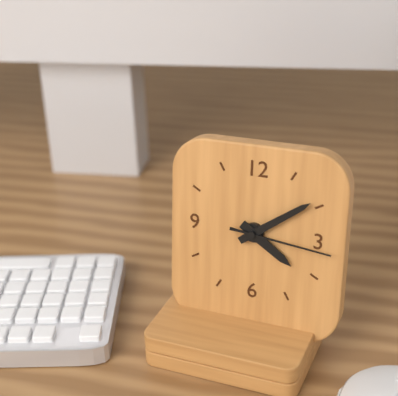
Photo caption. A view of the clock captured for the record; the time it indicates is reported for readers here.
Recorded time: 4:09:16
